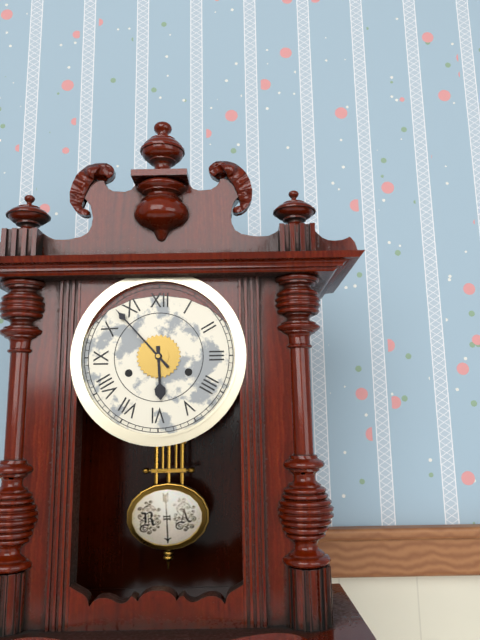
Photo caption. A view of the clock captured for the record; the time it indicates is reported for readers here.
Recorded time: 5:53
